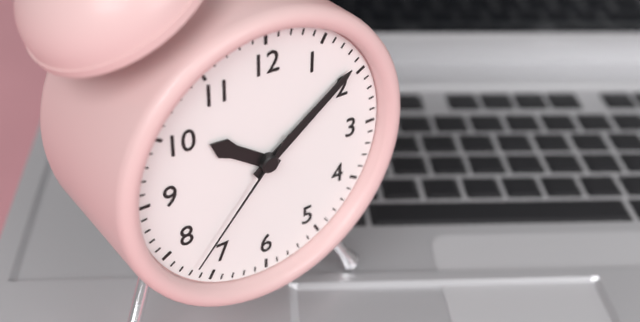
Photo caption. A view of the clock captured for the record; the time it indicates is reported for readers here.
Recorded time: 10:09:37
